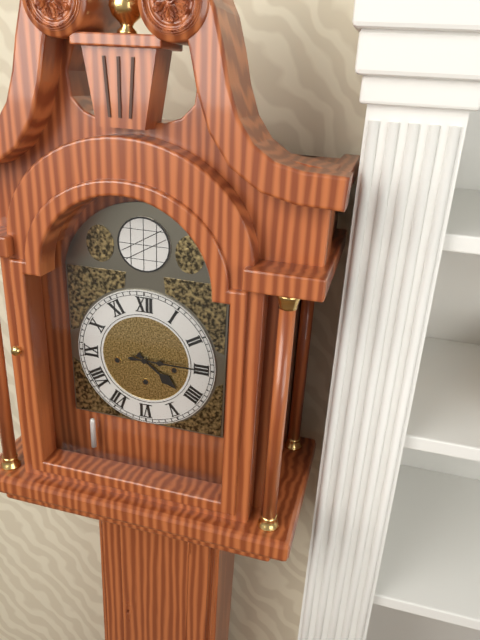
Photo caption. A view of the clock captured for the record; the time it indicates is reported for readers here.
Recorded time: 4:15
